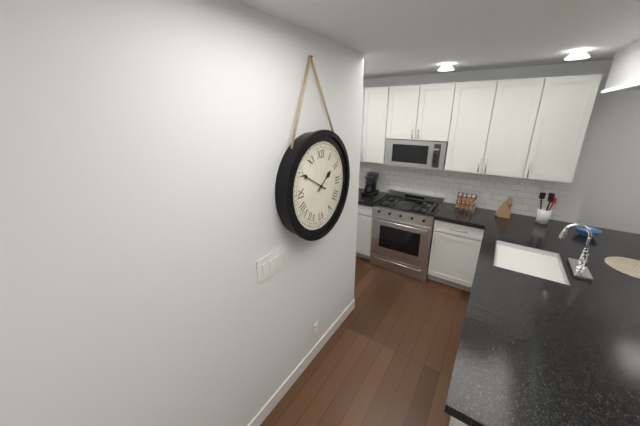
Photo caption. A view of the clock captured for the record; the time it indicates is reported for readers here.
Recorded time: 1:50
